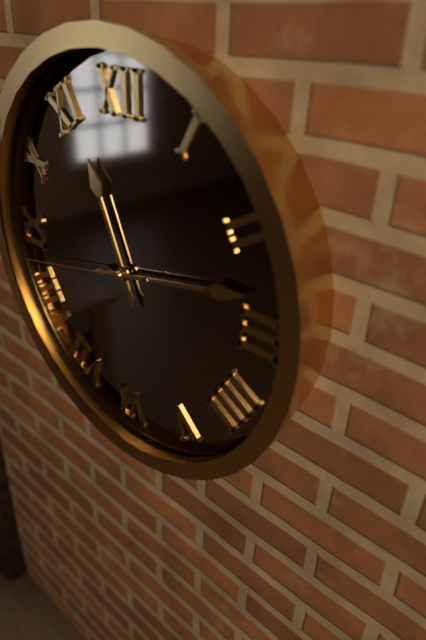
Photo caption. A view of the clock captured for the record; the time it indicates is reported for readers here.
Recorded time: 11:13:43
